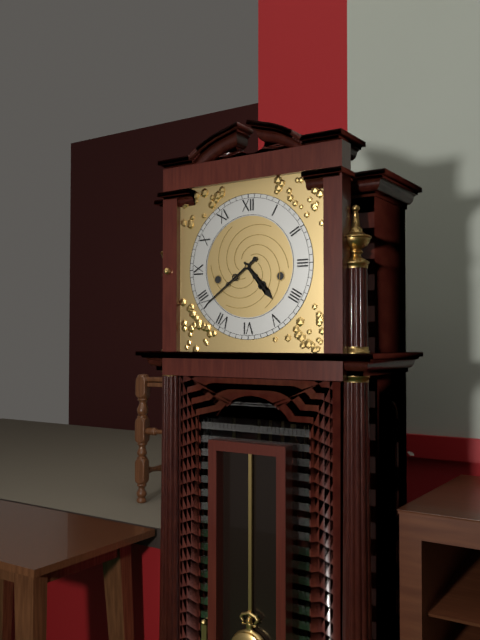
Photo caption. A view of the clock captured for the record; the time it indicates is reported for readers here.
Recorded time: 4:39
